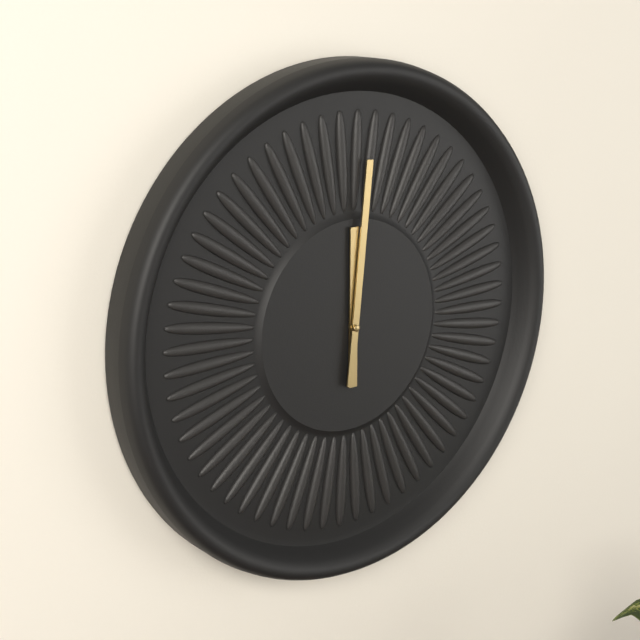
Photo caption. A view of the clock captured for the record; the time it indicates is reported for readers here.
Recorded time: 12:01
